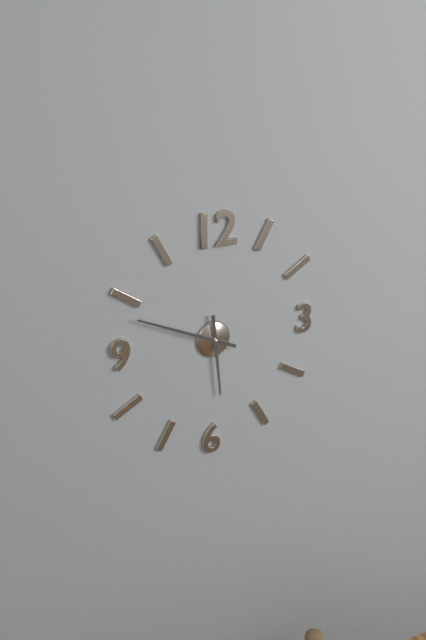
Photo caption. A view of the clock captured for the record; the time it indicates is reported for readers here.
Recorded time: 5:49
